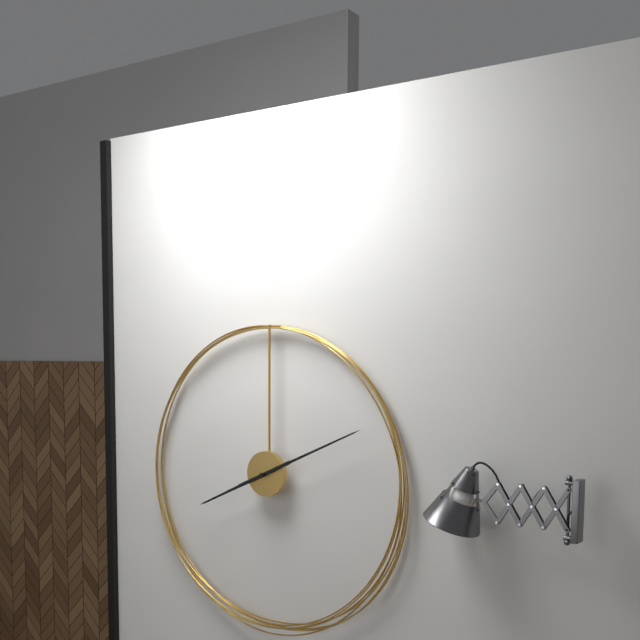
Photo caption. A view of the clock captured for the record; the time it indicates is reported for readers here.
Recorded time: 8:11
